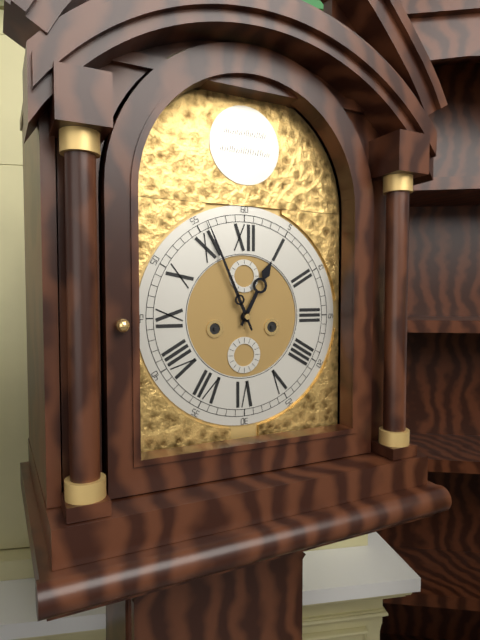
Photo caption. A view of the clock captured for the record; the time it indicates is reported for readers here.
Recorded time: 12:56
